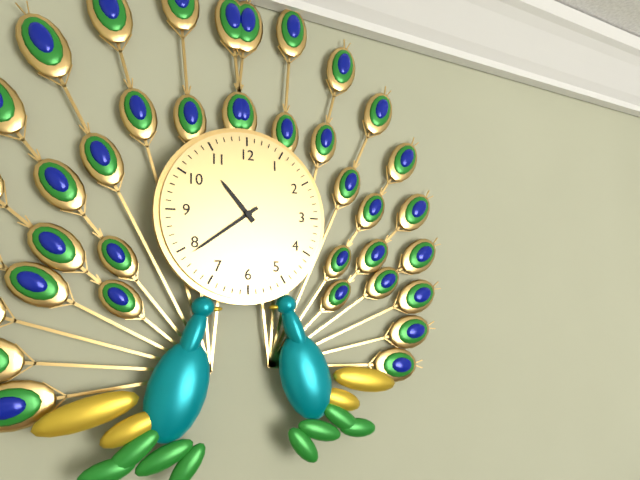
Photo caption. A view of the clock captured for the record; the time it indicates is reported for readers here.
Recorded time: 10:39
